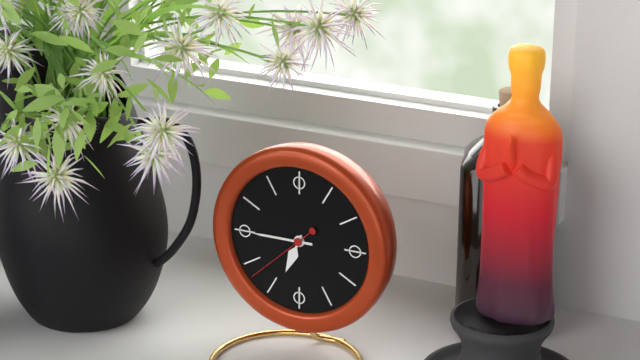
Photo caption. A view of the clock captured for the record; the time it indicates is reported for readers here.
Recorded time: 6:45:38
